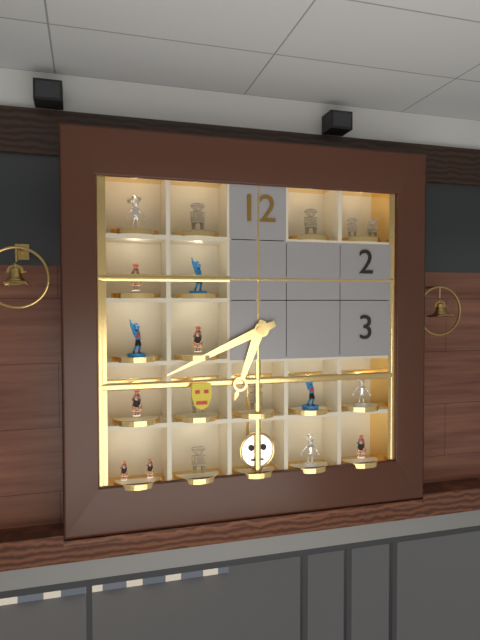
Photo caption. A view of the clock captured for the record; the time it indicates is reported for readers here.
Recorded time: 6:41
